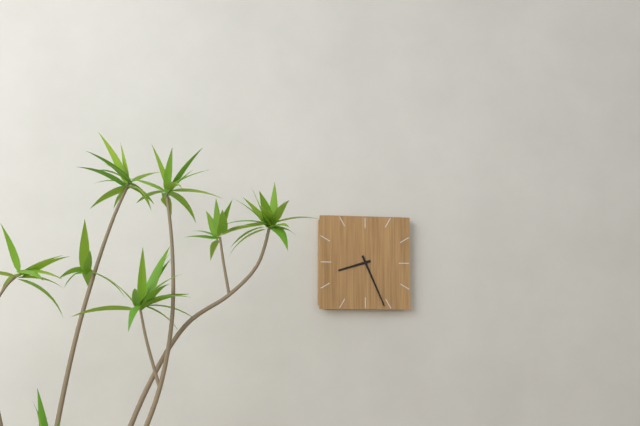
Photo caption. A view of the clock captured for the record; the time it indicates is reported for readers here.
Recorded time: 8:26
